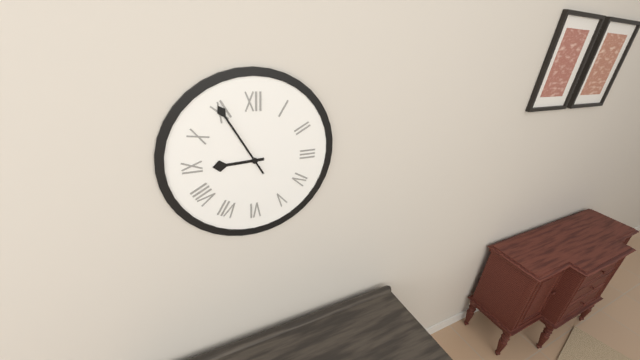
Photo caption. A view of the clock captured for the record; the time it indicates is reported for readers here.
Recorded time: 8:55
